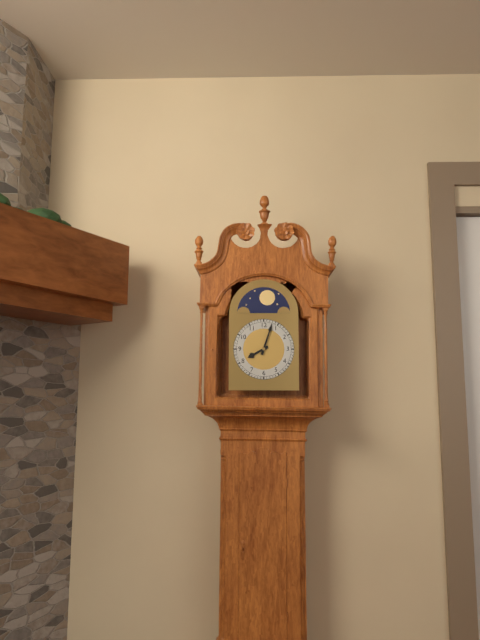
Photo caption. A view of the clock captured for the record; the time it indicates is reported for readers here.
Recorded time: 8:03
